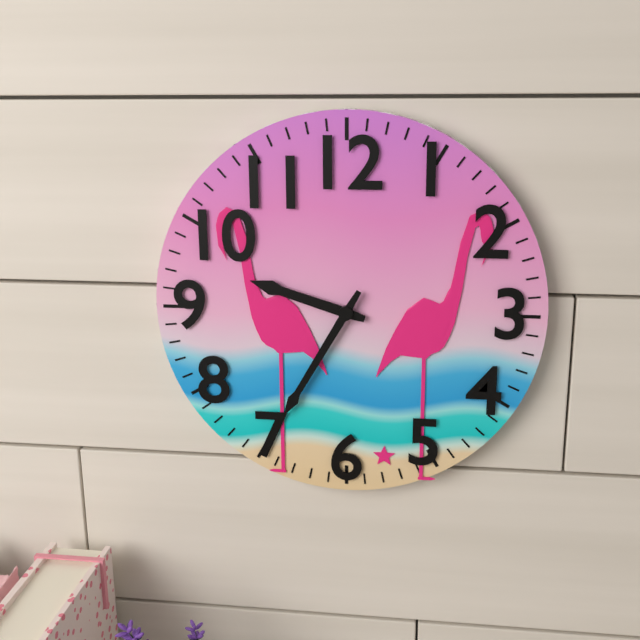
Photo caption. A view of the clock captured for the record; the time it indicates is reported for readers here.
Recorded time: 9:35
